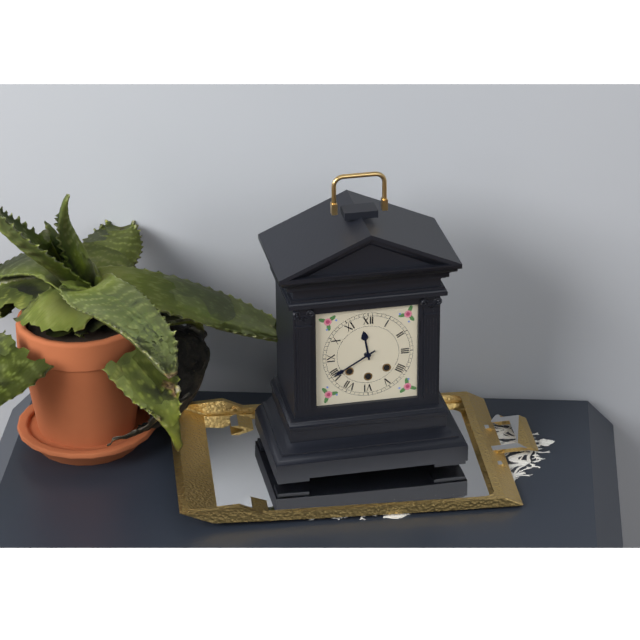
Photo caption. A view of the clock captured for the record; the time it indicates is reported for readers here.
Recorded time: 11:40
